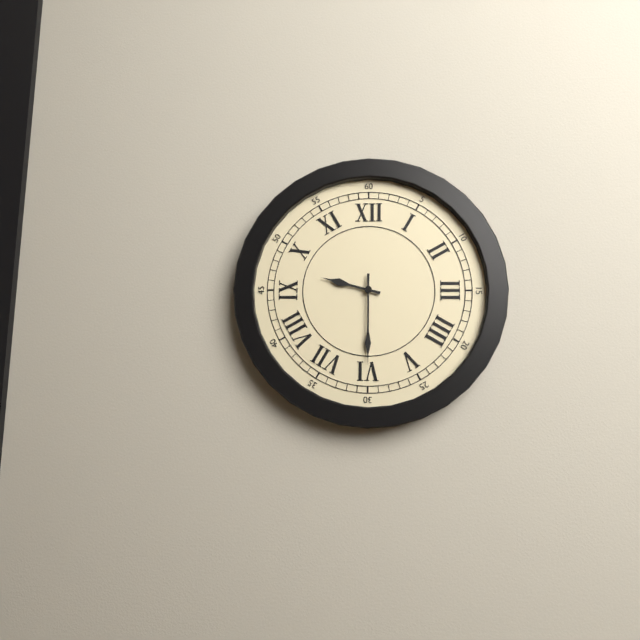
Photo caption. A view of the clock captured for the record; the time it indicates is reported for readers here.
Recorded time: 9:30
